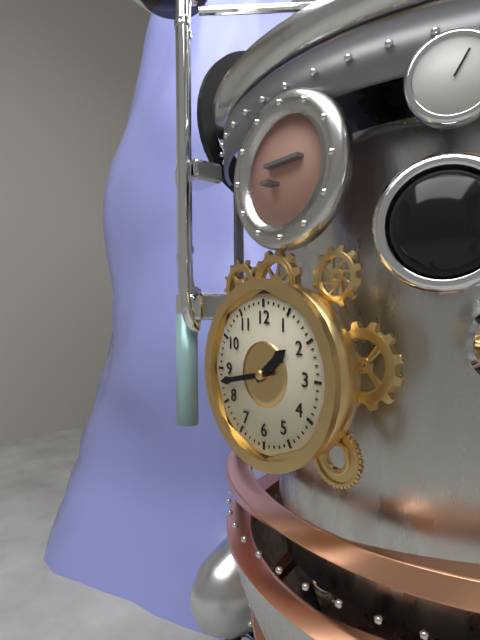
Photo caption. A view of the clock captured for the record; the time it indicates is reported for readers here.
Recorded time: 1:43
